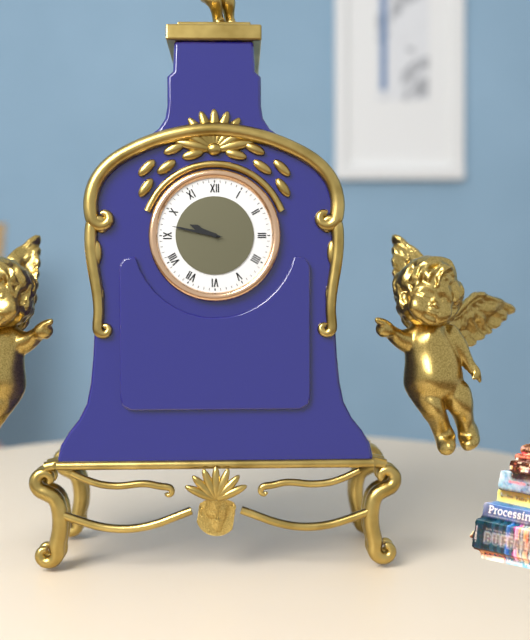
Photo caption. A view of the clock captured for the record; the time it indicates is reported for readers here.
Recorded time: 9:47
